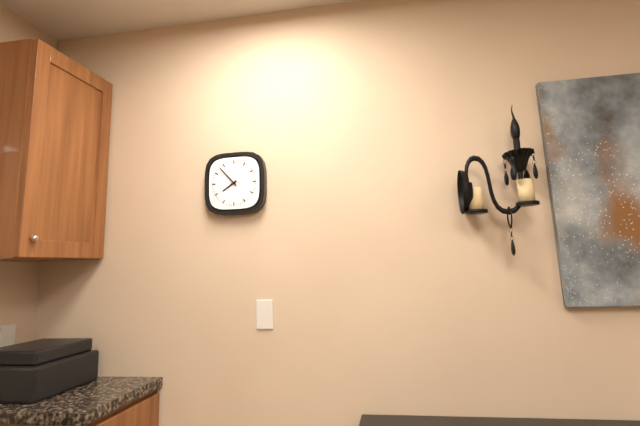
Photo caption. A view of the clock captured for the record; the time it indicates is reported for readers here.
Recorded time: 7:53
